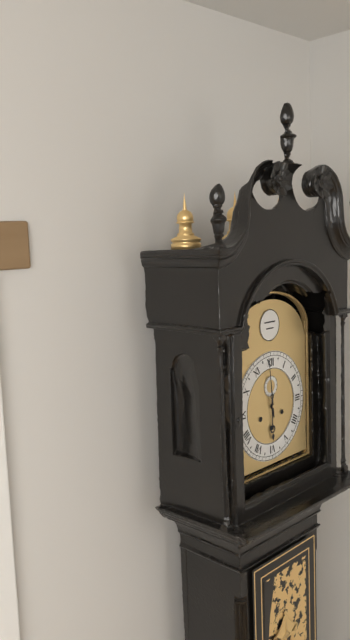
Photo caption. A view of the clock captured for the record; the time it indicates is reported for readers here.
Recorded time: 5:59
